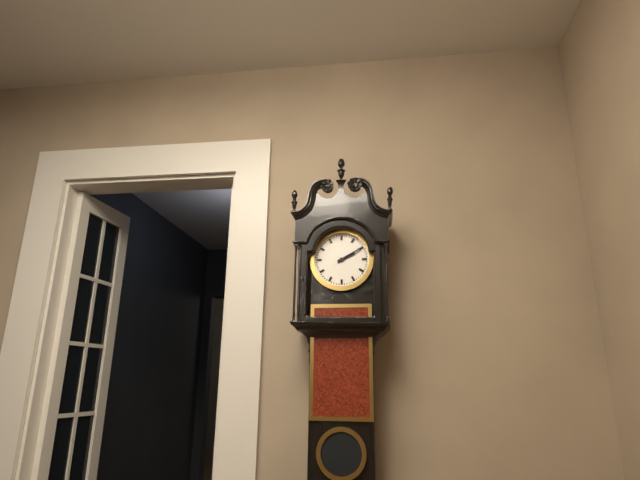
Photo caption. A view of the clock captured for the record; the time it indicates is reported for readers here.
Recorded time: 2:10
